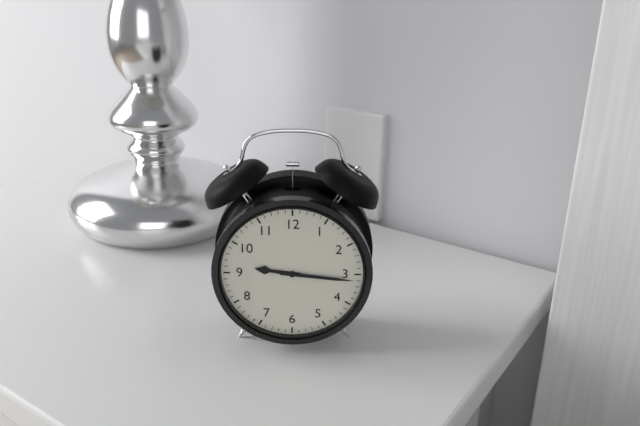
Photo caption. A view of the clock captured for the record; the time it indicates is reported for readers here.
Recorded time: 9:16
